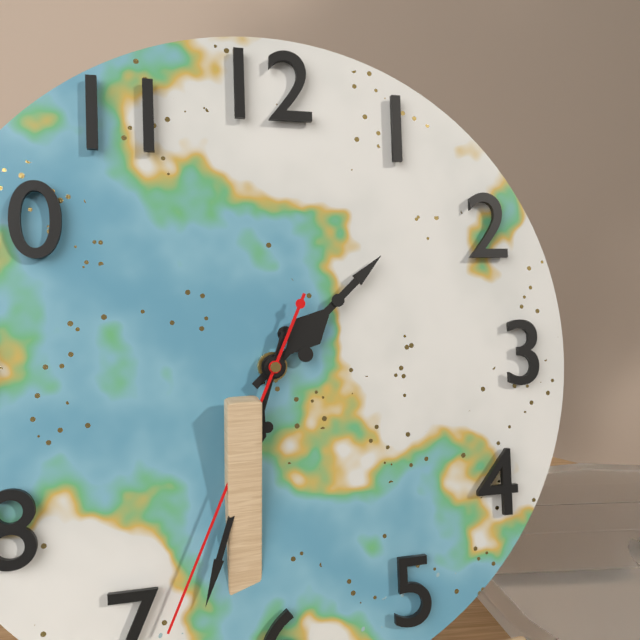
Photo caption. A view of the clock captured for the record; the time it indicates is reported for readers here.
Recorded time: 1:33:34
